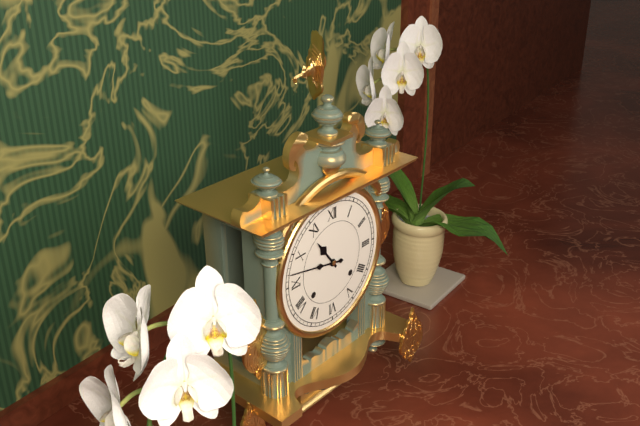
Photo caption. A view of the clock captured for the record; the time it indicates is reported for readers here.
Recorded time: 10:47
